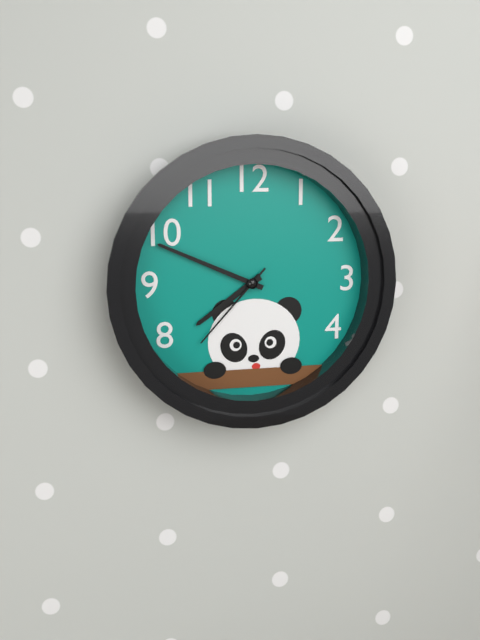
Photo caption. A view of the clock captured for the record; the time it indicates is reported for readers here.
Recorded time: 7:49:37
